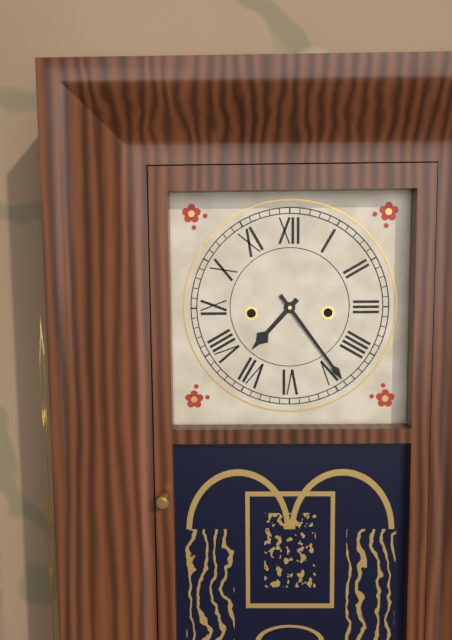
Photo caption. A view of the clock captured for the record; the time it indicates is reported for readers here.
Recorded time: 7:24
